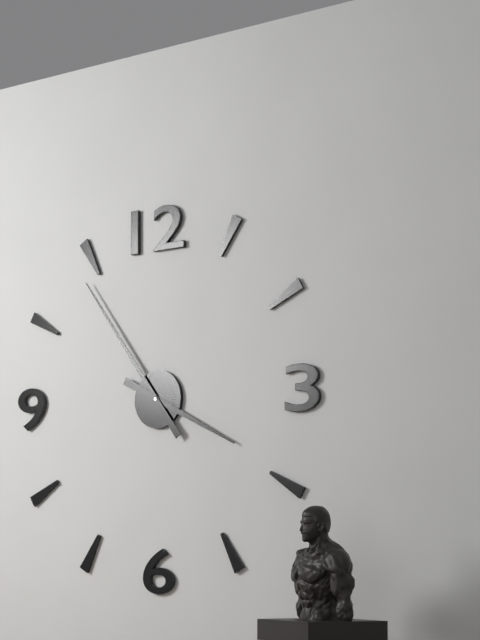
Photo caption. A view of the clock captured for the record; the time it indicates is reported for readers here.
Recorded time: 3:54
